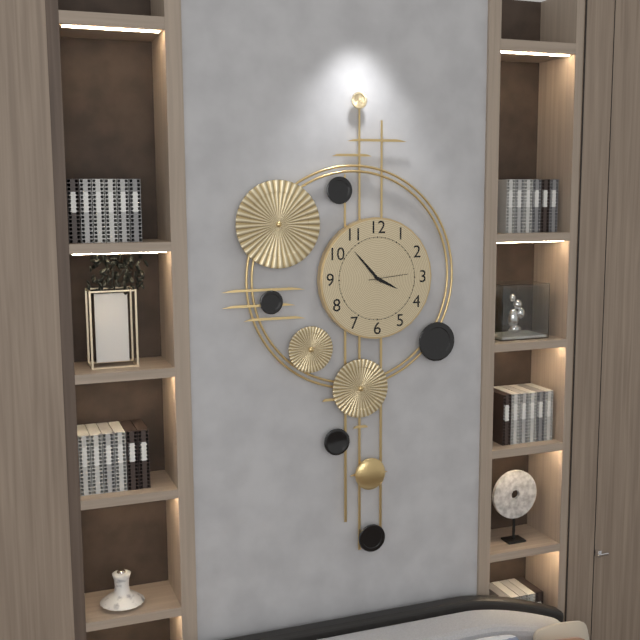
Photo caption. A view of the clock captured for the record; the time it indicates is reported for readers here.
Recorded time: 3:53
